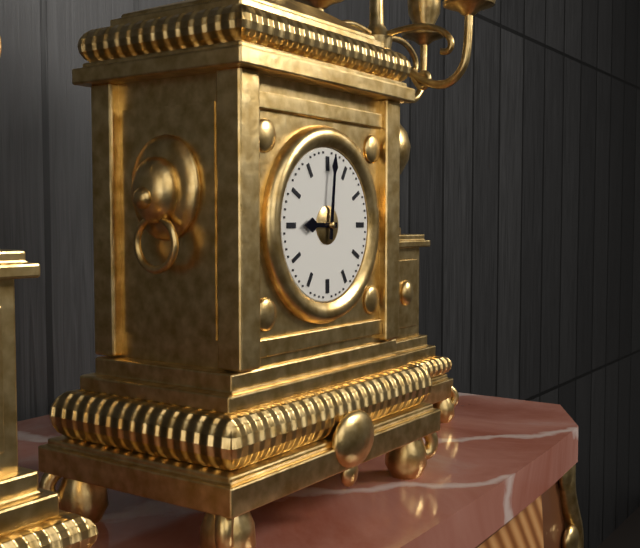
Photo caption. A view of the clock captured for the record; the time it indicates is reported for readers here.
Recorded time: 9:01
